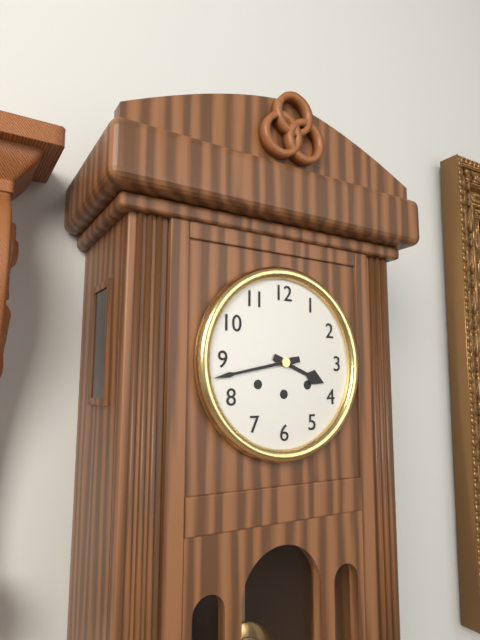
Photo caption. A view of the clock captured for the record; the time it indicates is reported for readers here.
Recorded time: 3:43
